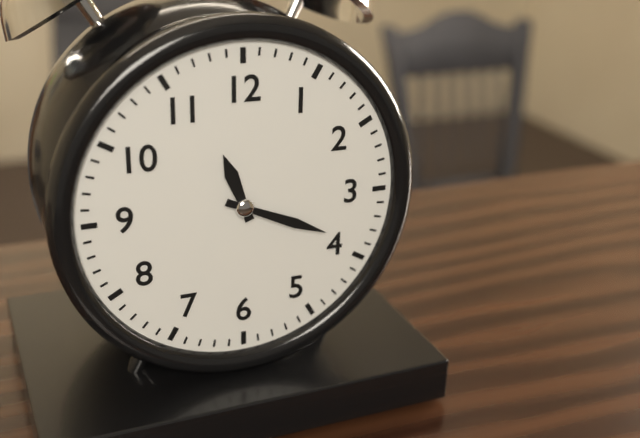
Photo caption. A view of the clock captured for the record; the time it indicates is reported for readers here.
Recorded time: 11:19
